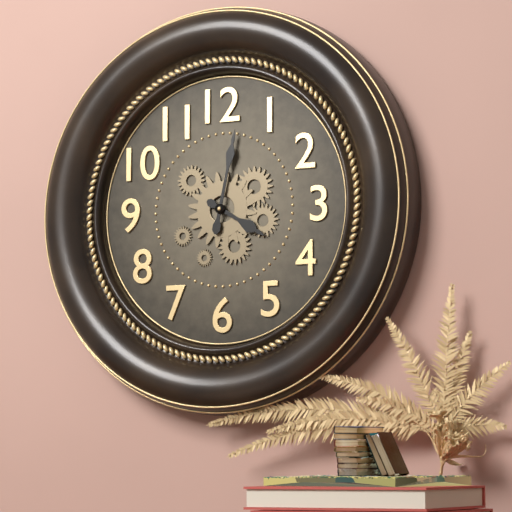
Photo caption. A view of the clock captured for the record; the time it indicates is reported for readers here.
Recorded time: 4:02
